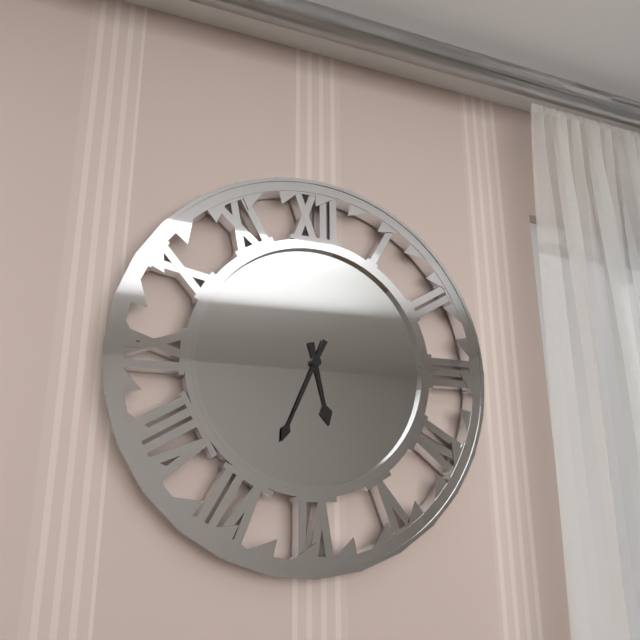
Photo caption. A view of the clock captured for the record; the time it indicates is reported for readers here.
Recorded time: 5:34
